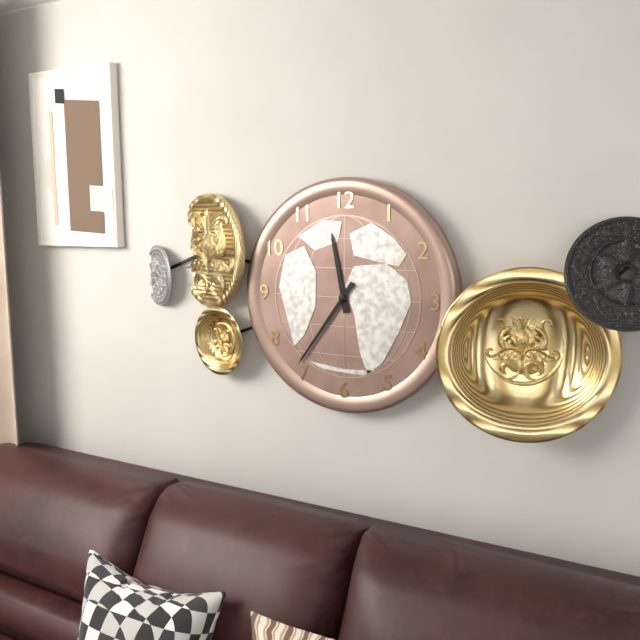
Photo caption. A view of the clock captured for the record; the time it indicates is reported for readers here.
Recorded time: 11:36
